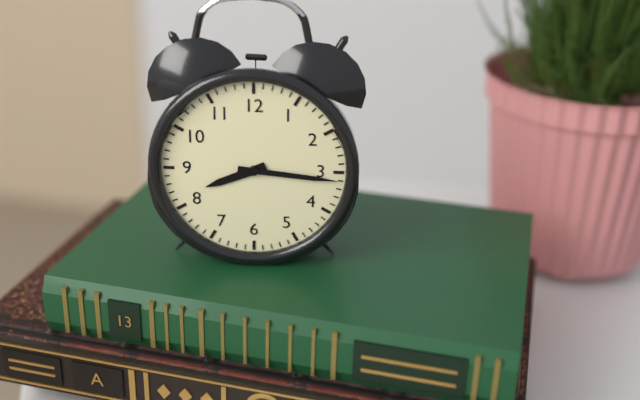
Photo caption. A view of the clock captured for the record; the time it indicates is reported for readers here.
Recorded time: 8:16
